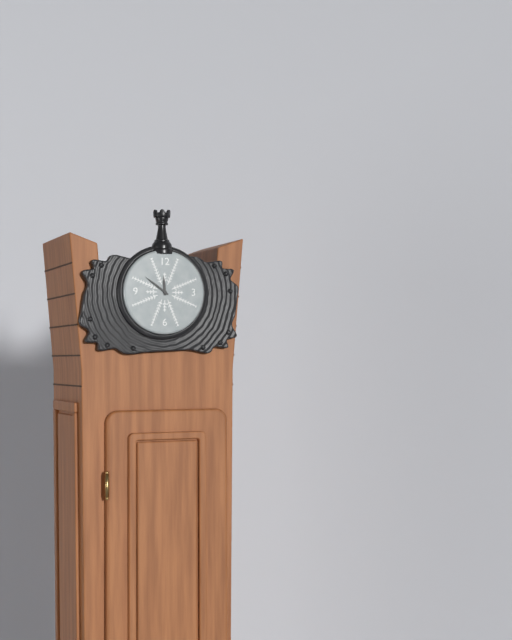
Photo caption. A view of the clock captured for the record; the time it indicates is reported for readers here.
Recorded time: 11:51
